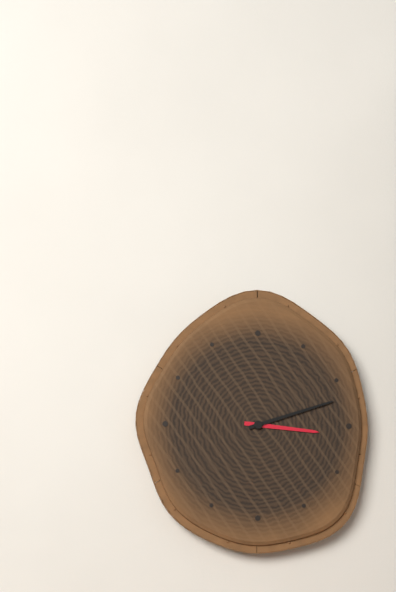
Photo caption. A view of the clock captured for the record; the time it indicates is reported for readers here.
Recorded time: 3:12
